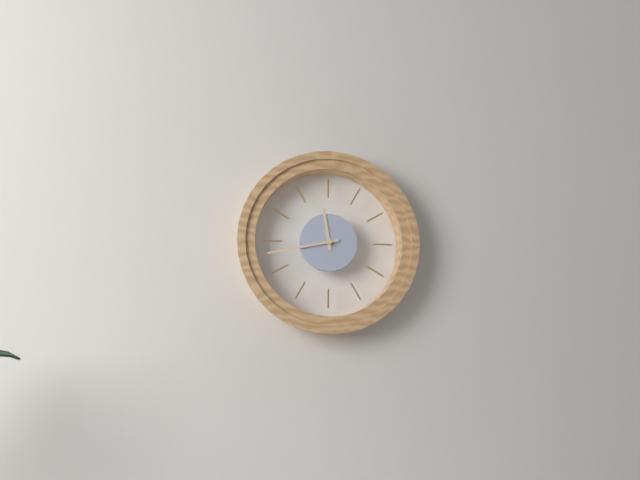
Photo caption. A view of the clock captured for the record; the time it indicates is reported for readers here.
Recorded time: 11:43
